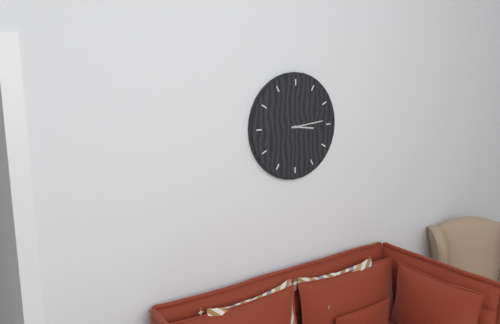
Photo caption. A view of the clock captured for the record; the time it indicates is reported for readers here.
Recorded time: 3:14
